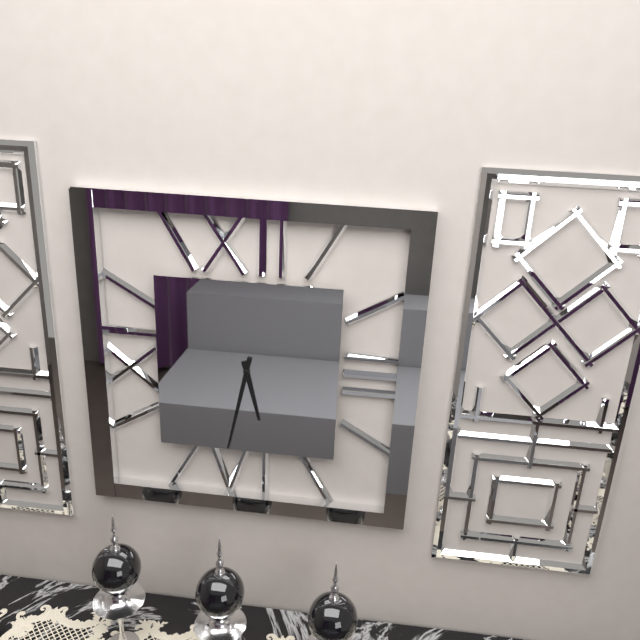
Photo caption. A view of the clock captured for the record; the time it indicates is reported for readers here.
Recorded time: 5:32
